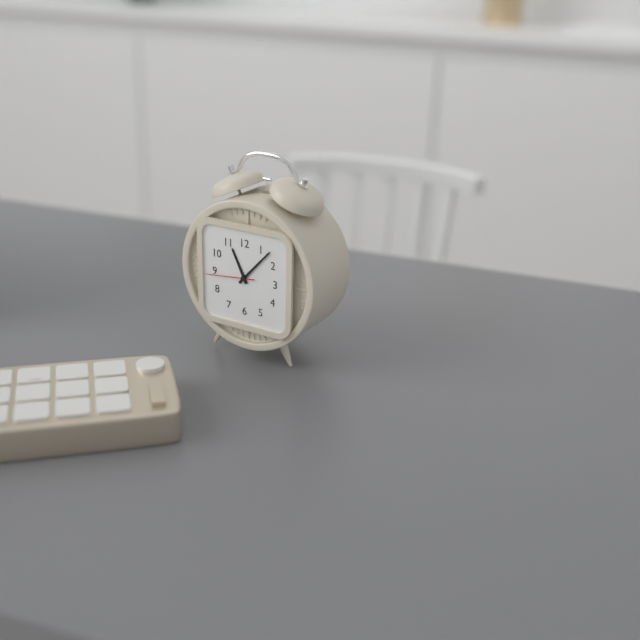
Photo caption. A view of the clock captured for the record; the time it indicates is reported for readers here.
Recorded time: 11:07
